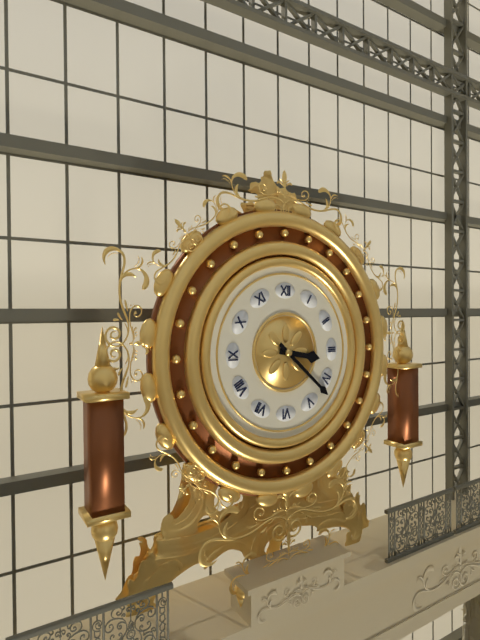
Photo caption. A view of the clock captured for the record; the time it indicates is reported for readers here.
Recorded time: 3:22
